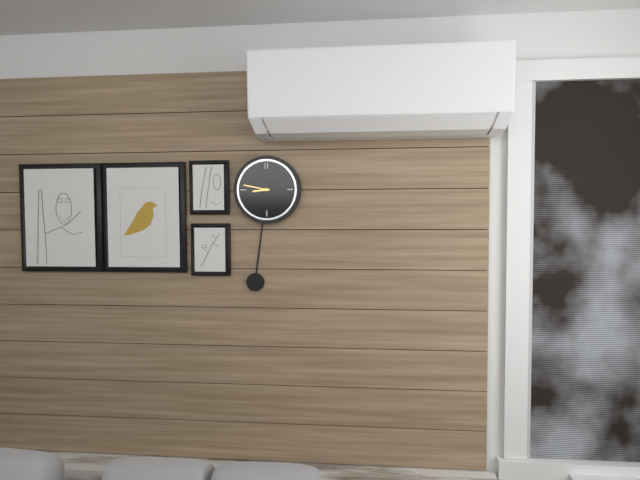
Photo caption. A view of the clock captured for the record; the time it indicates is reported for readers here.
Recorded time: 8:47
